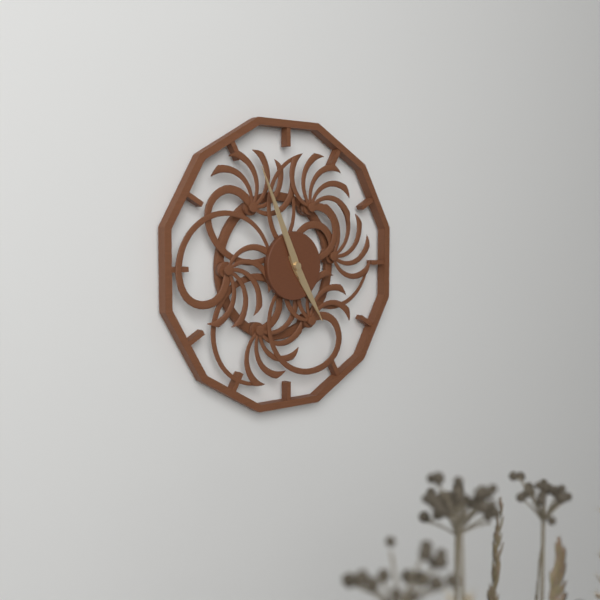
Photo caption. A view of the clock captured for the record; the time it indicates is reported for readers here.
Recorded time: 4:56
